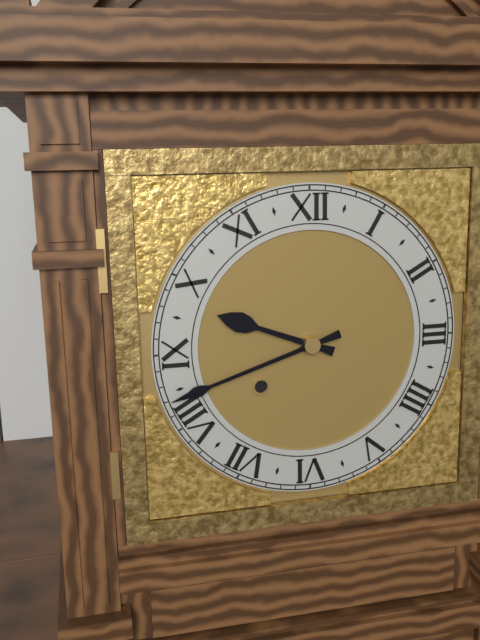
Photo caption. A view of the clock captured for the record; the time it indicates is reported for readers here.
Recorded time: 9:42
